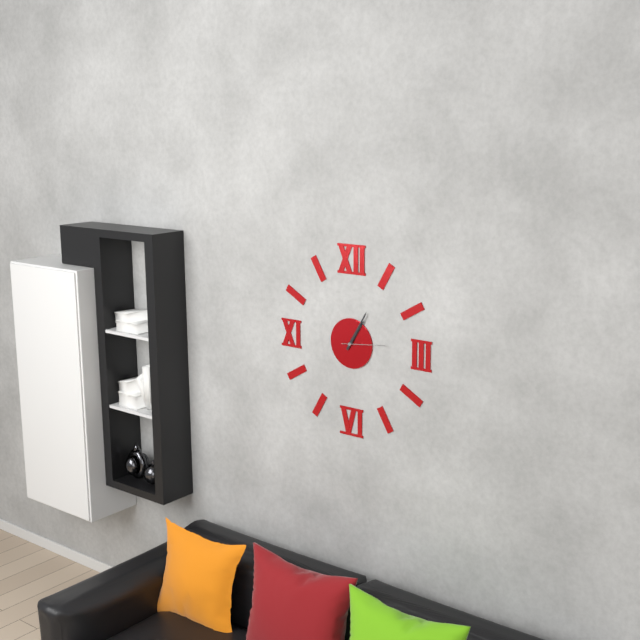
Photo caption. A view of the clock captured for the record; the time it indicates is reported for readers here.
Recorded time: 1:05
